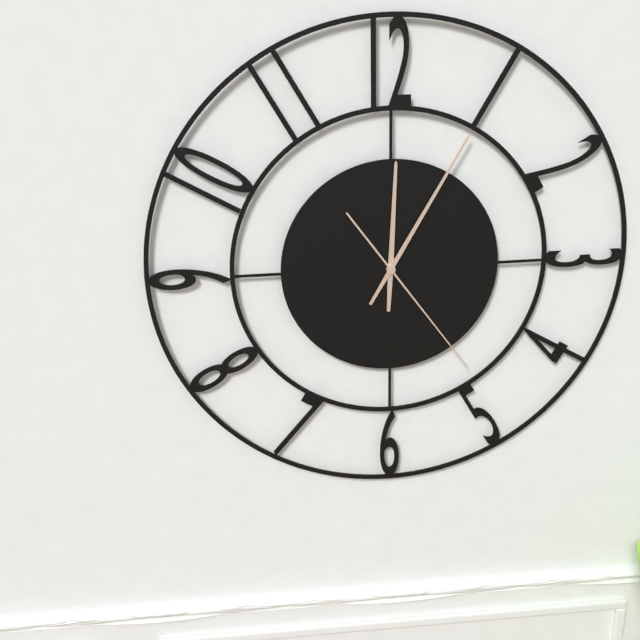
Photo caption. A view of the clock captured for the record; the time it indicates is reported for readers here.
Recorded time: 12:05:24
